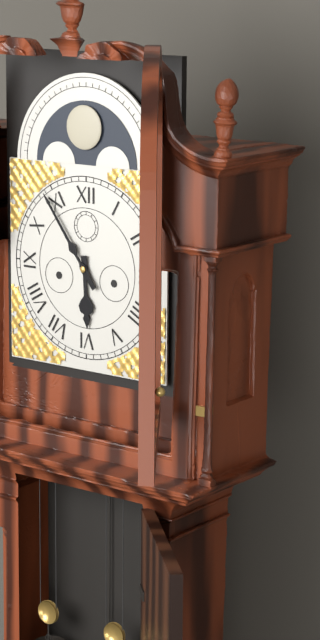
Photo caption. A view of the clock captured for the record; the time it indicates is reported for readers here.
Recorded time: 5:54
